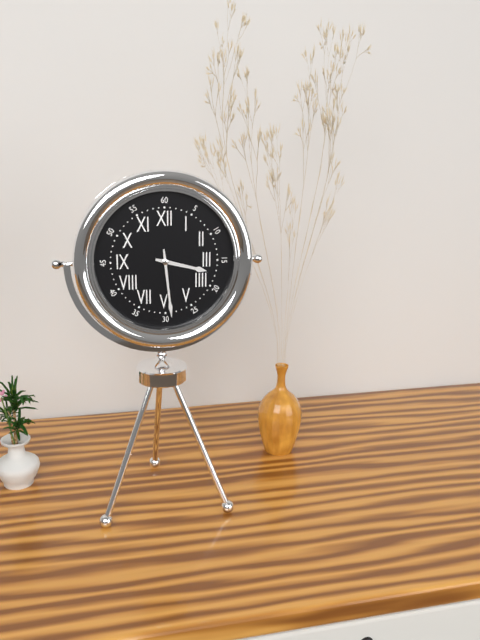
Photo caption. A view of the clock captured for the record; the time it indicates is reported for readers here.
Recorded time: 3:29
